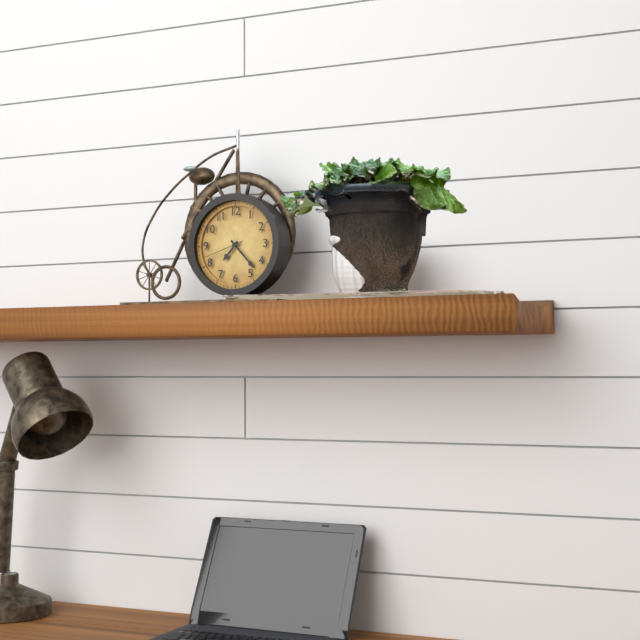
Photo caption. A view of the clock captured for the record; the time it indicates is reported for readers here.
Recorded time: 7:23
